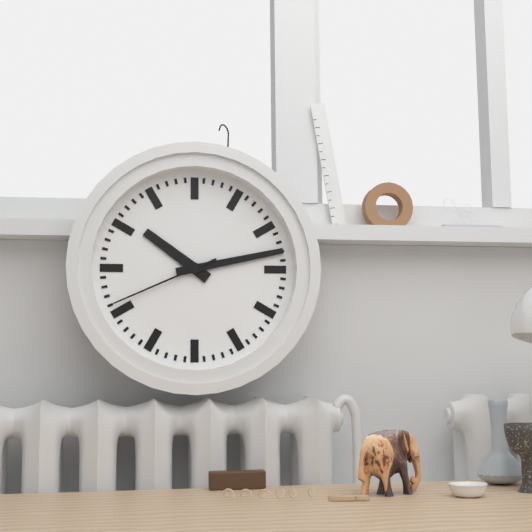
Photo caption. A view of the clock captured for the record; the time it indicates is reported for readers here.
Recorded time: 10:13:41
